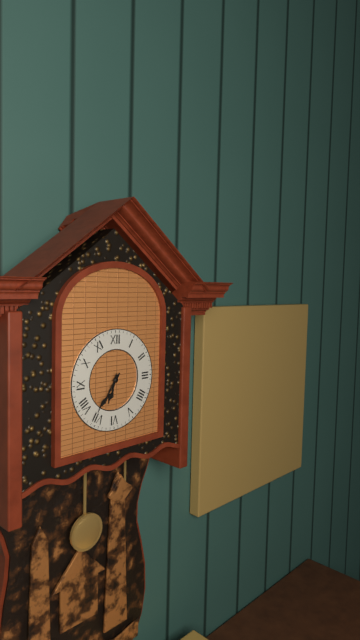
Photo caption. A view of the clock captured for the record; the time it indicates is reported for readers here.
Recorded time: 6:36
